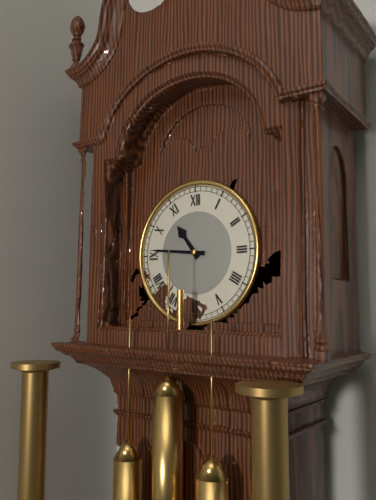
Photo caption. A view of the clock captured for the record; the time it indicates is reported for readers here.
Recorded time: 10:46
